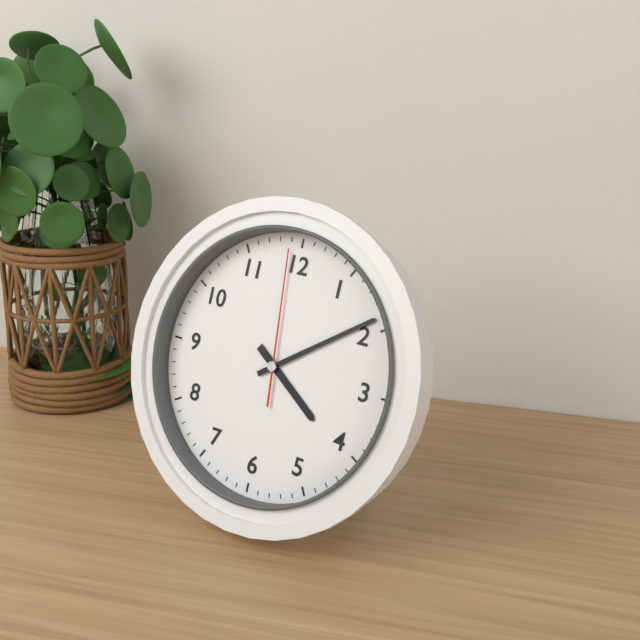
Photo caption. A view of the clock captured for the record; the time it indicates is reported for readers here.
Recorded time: 4:09:59
